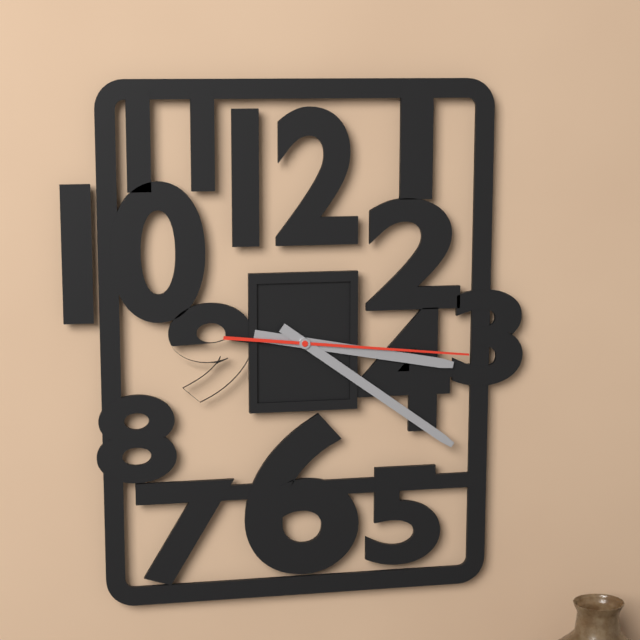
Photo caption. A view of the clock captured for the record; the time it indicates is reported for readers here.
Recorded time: 3:21:16
